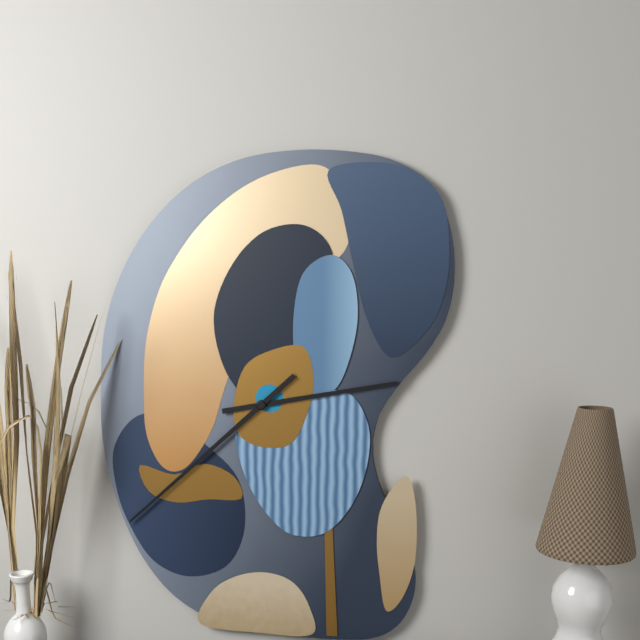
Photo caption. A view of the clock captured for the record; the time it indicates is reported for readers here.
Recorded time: 2:38
